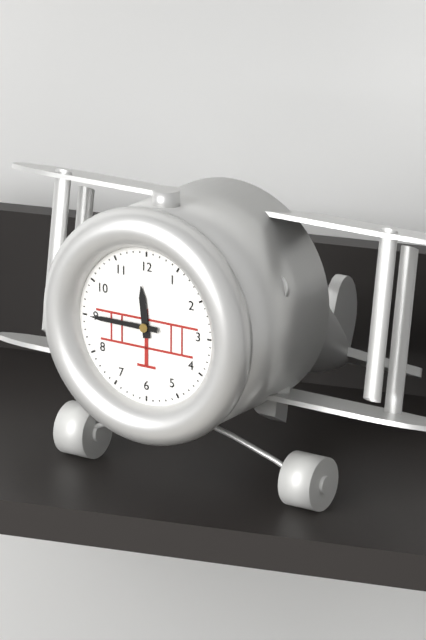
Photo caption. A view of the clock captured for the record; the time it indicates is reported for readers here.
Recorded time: 11:45
